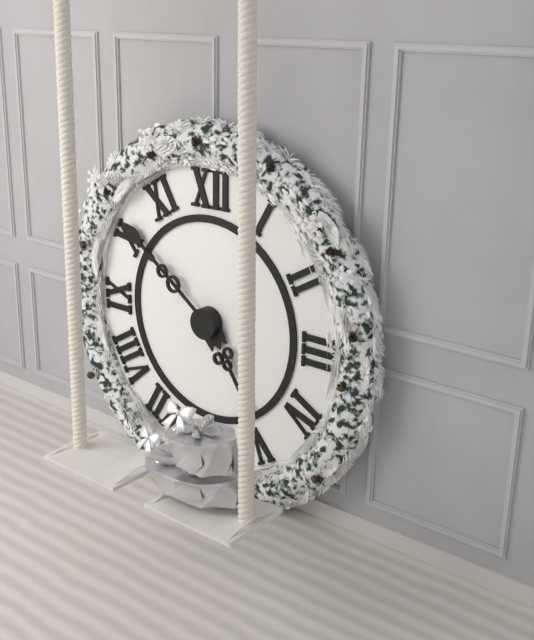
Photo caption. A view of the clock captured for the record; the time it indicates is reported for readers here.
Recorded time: 4:51
